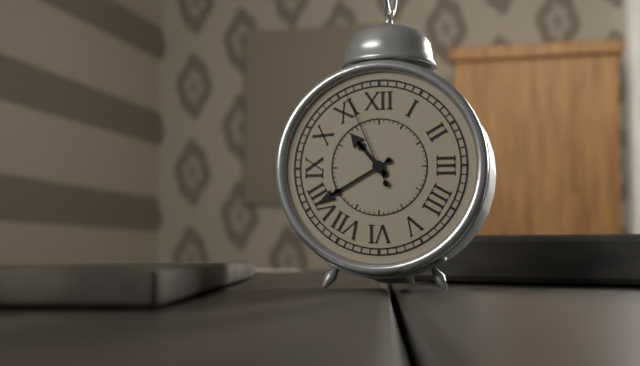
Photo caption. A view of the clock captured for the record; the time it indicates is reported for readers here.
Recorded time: 10:40:56
